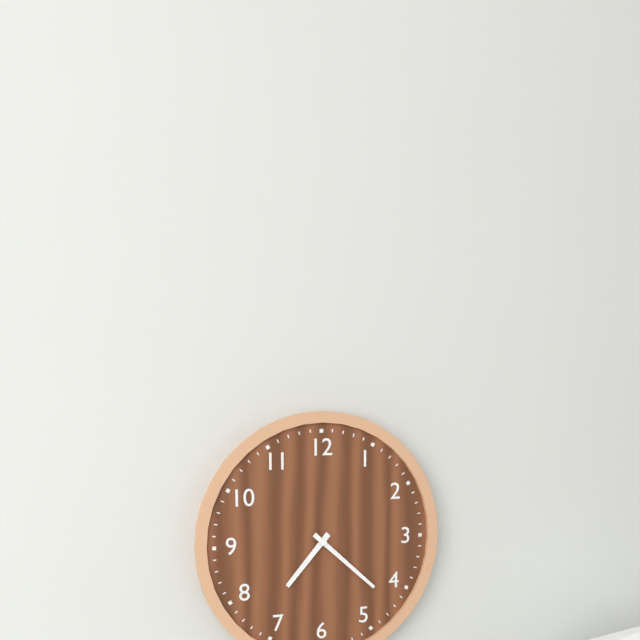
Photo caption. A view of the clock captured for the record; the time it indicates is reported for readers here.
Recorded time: 7:22
